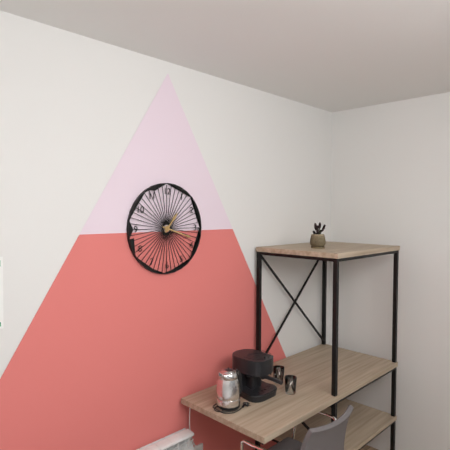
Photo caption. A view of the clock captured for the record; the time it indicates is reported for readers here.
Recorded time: 1:18
